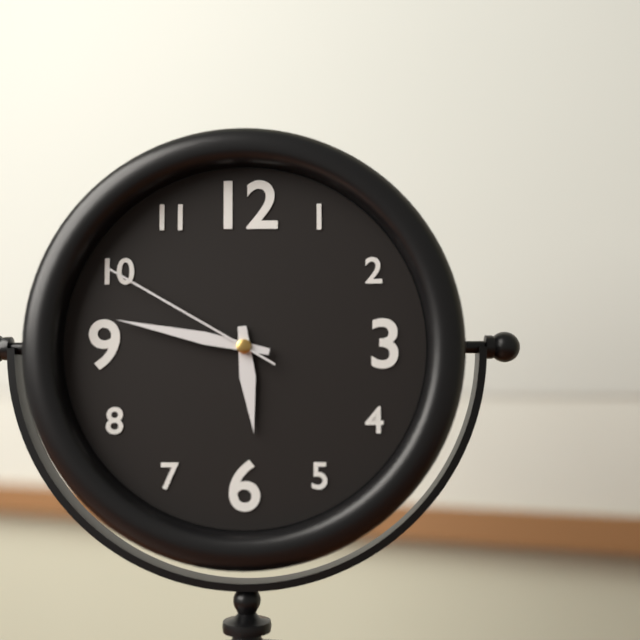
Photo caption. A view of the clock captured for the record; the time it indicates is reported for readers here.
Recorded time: 5:47:50
